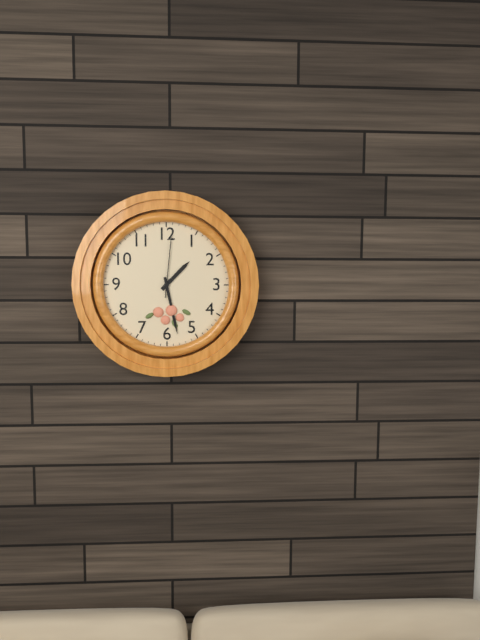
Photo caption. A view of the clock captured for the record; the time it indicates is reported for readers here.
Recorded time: 1:28:01
